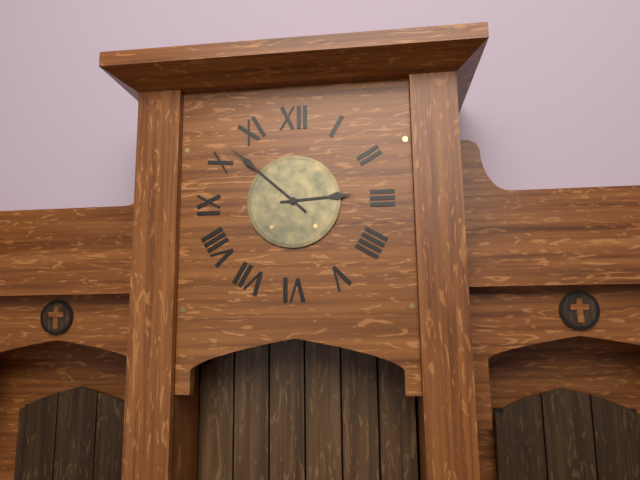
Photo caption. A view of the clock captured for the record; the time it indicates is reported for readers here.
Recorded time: 2:52
